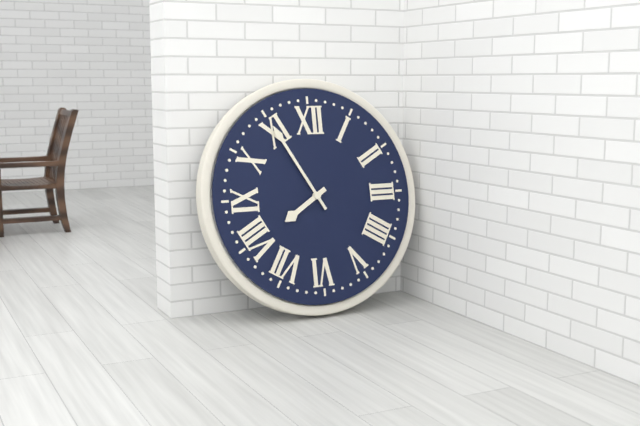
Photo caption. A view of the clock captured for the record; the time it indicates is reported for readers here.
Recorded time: 7:55
